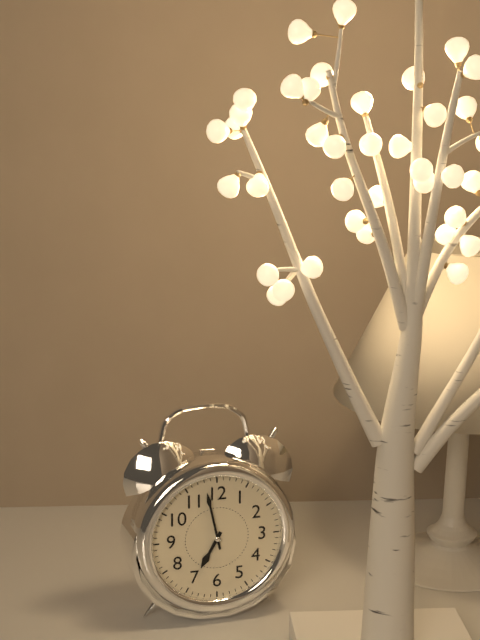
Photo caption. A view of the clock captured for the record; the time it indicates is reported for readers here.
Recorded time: 6:58
